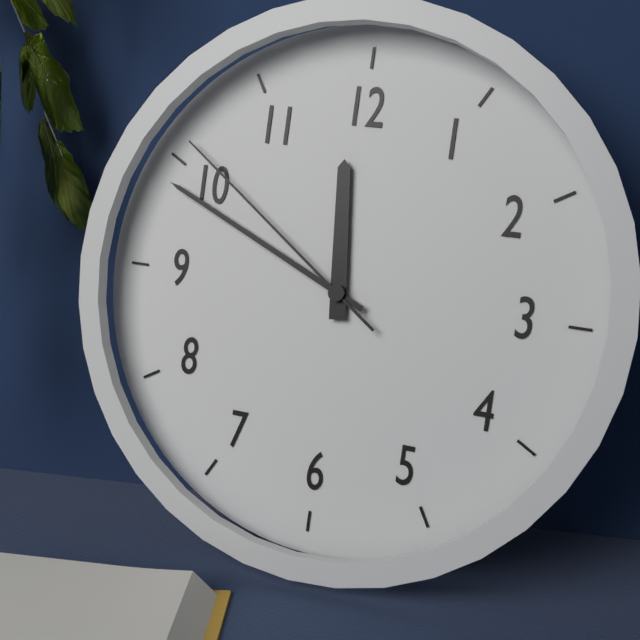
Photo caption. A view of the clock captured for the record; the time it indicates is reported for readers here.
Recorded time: 11:49:51
